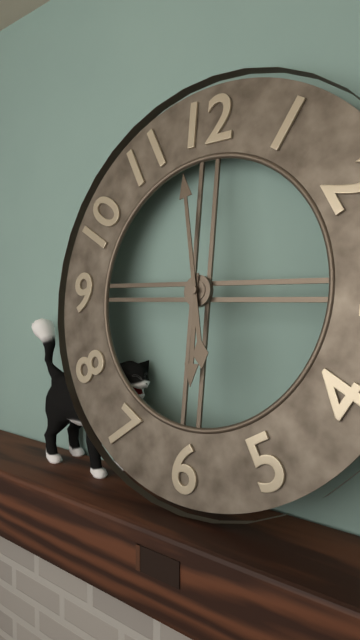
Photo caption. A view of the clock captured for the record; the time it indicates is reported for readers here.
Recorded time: 5:58
